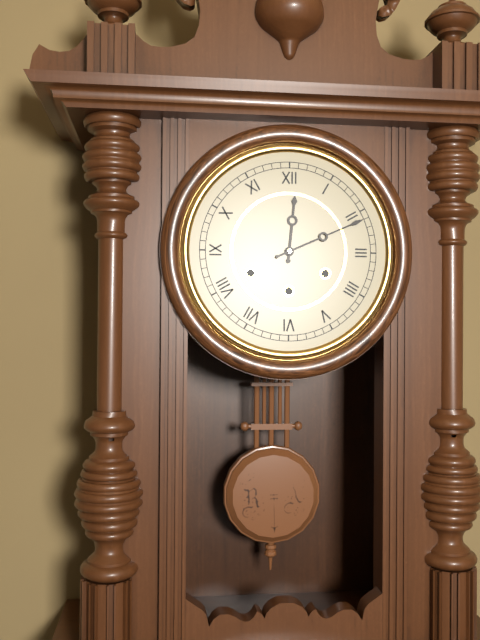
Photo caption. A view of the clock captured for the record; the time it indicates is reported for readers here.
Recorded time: 12:11
